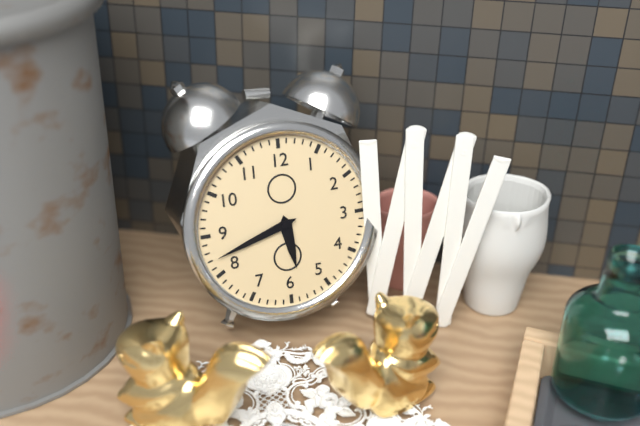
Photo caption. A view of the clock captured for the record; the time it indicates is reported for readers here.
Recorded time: 5:42
